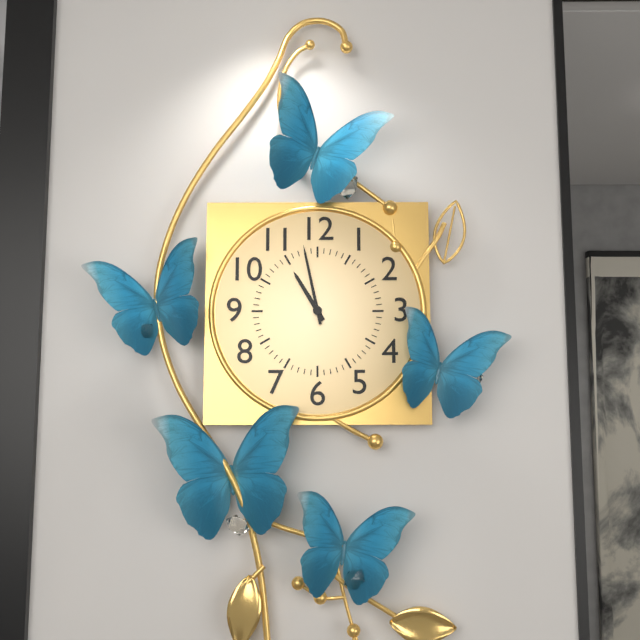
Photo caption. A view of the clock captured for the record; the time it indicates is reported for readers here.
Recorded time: 10:58
